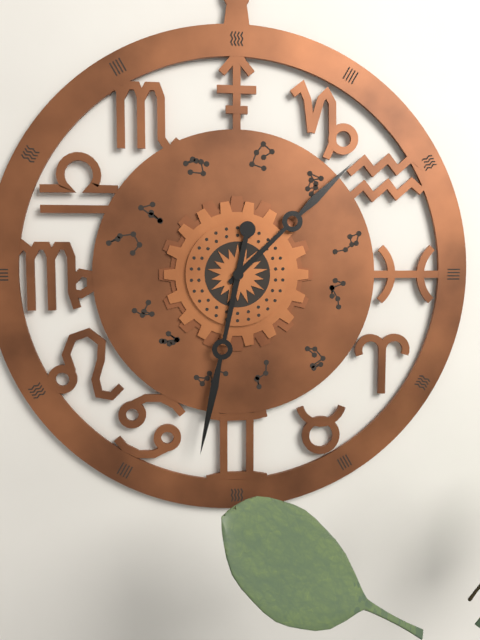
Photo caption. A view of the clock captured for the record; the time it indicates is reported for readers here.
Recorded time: 1:32
